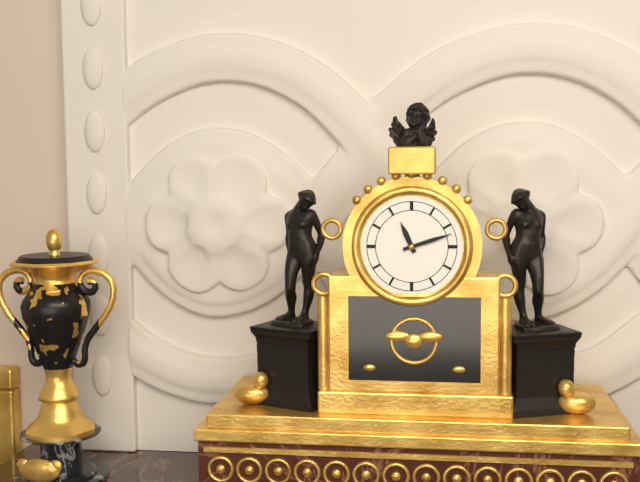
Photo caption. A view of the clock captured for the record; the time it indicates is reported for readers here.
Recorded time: 11:12
